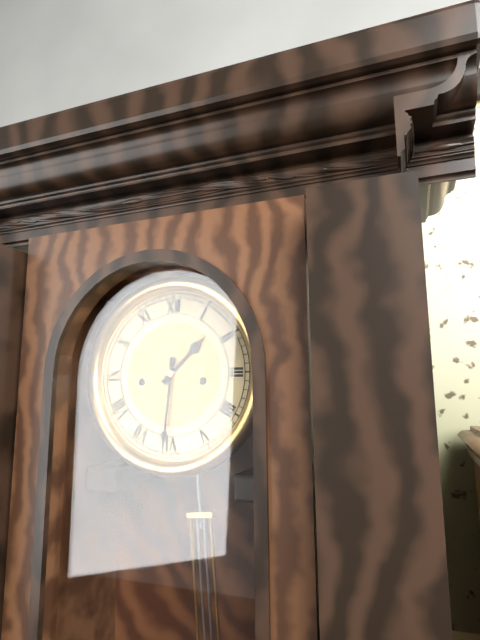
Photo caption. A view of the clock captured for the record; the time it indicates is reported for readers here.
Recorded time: 1:31
